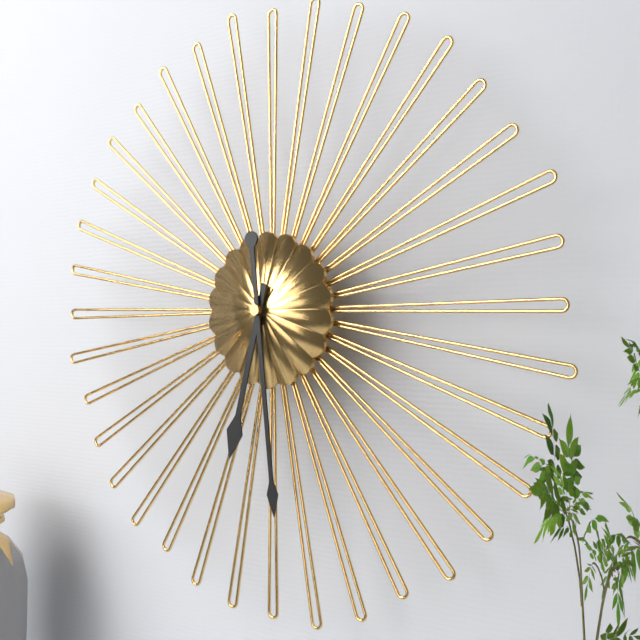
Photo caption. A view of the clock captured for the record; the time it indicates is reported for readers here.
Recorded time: 6:29
